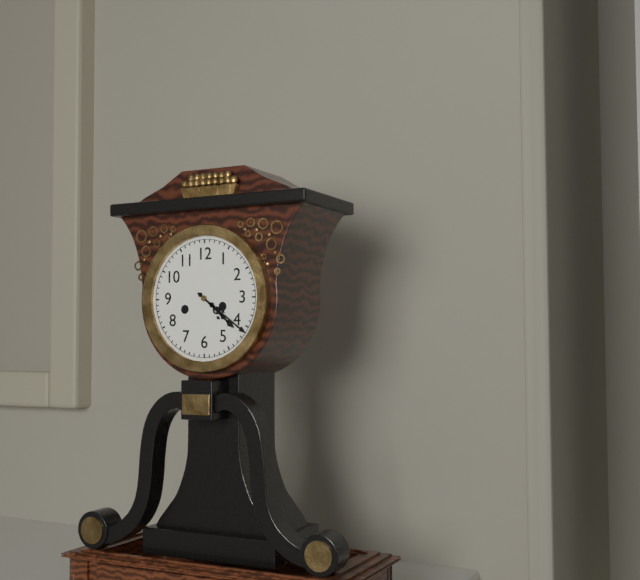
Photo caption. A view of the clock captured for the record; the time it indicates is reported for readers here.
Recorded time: 4:21
